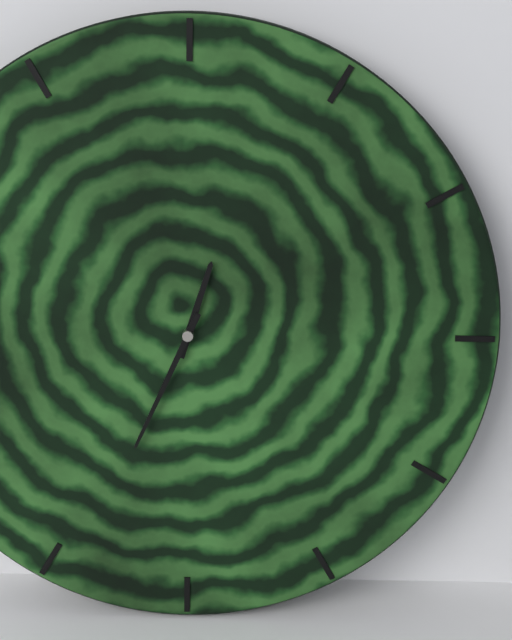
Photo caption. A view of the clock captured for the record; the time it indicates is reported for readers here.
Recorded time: 12:34
